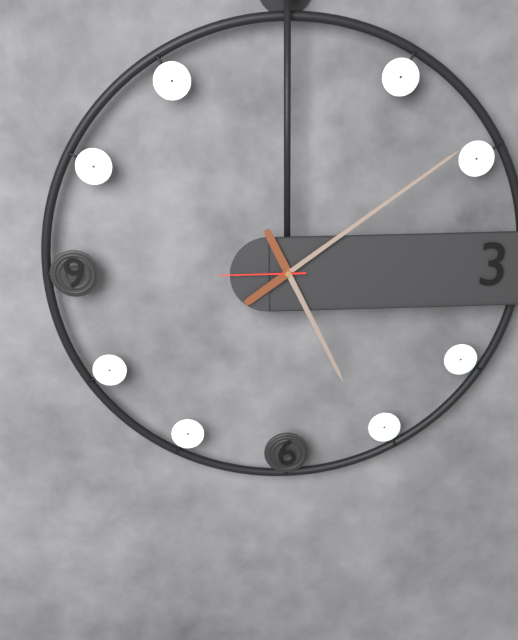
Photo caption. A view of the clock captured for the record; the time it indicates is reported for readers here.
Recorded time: 5:09:45
